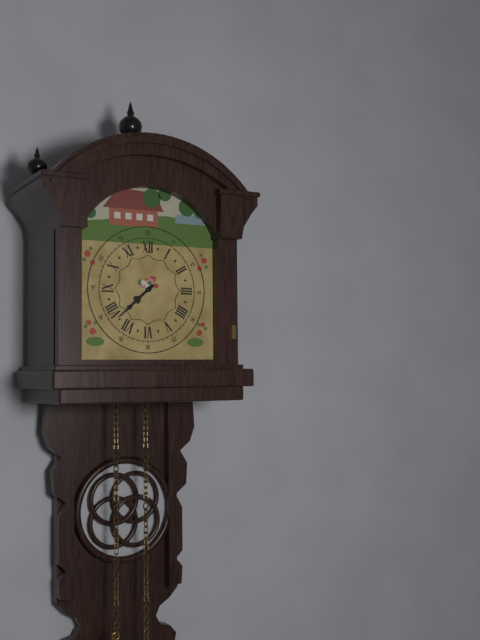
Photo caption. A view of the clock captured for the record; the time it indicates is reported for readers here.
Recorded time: 7:38
